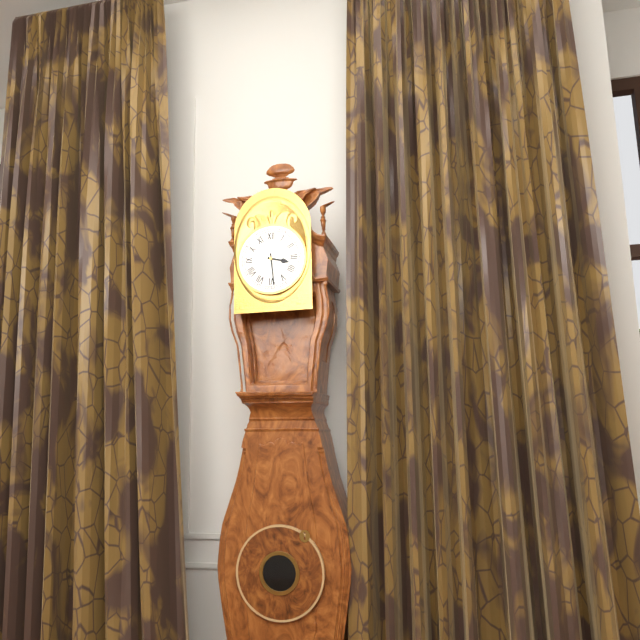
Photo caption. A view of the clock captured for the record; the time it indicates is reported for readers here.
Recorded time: 3:29
